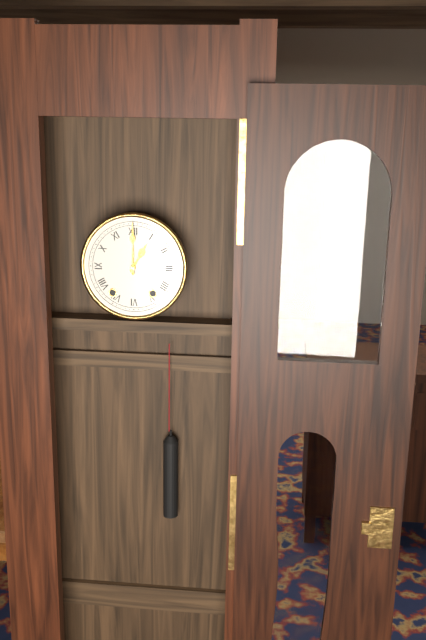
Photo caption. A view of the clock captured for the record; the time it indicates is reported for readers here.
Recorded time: 1:00
